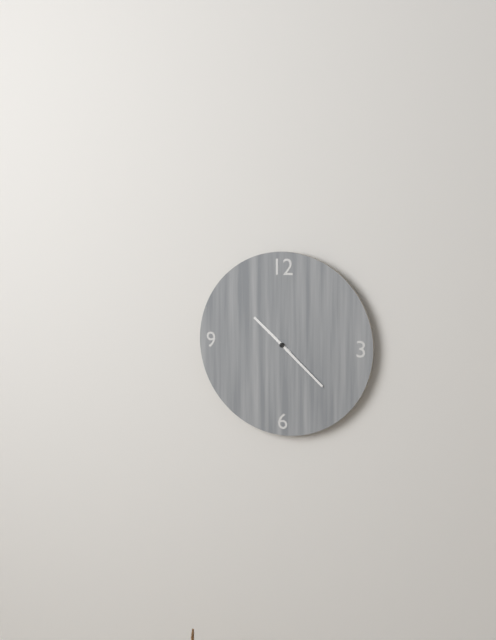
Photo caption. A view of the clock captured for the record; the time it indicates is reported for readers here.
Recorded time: 10:22
